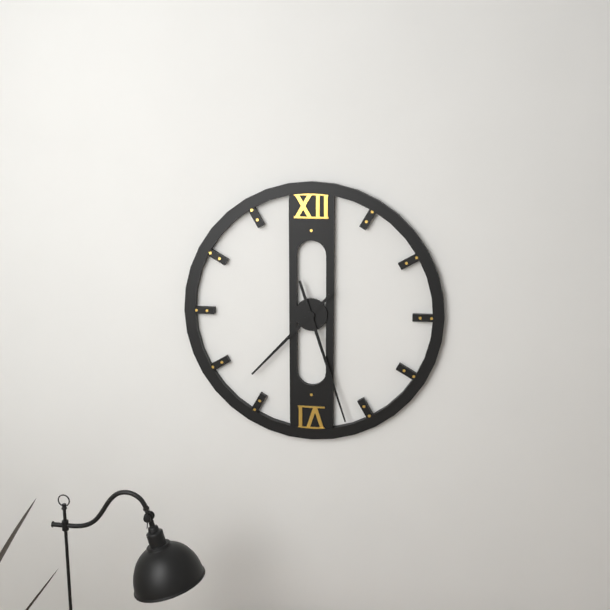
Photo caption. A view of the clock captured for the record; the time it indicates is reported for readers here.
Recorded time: 7:27
